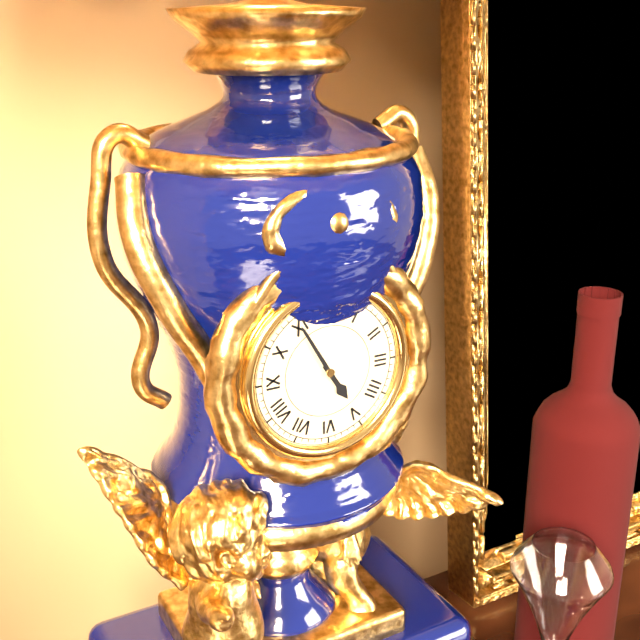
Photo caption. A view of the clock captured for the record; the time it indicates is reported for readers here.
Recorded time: 4:55
